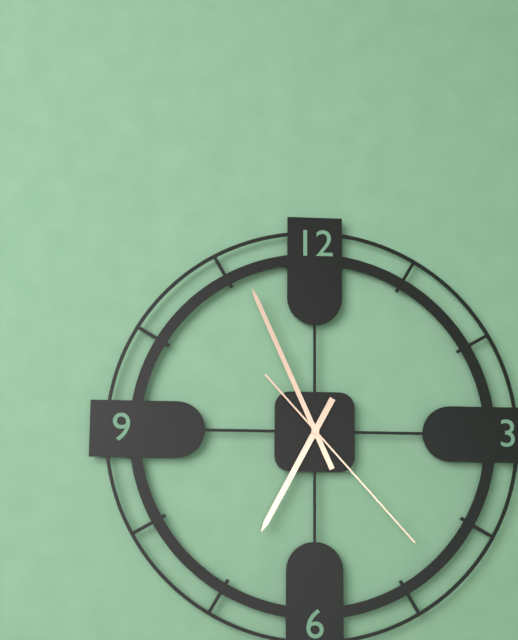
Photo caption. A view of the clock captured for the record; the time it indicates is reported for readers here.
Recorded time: 6:56:23
